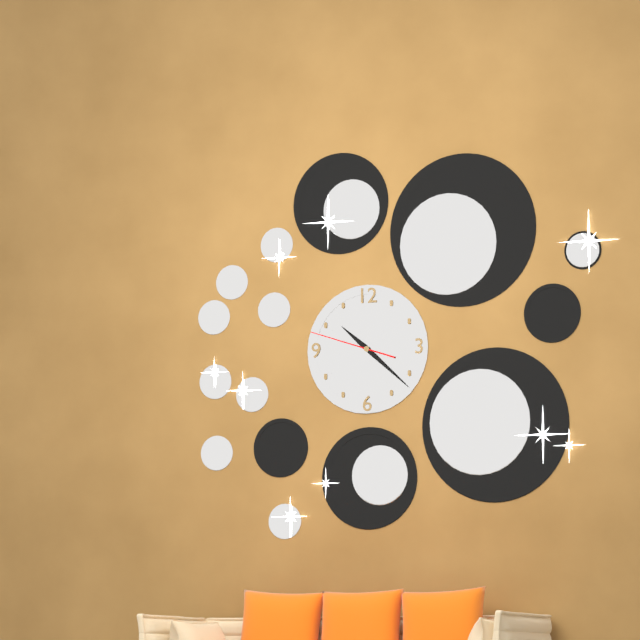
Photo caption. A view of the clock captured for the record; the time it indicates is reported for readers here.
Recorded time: 10:22:48
